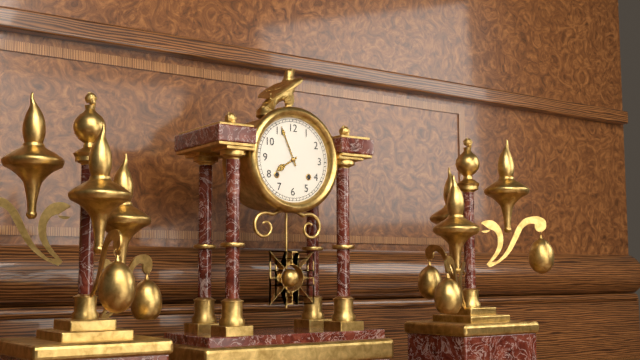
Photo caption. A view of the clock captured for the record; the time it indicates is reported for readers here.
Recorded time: 7:56
